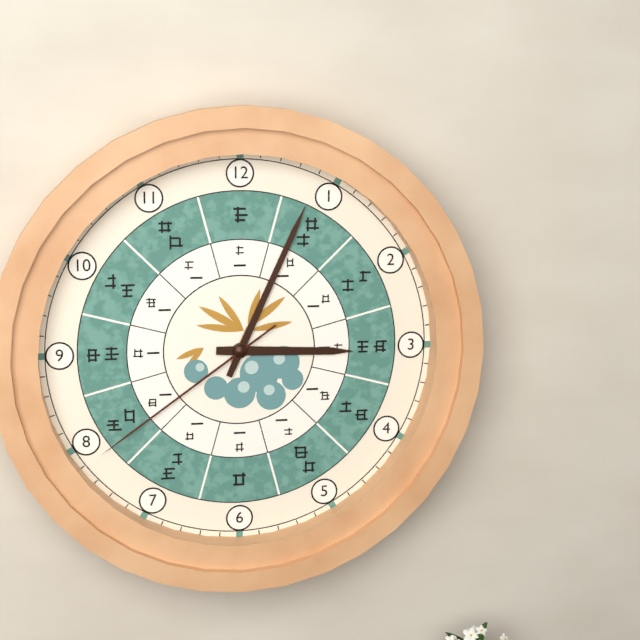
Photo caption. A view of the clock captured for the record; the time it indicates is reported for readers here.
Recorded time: 3:04:39
